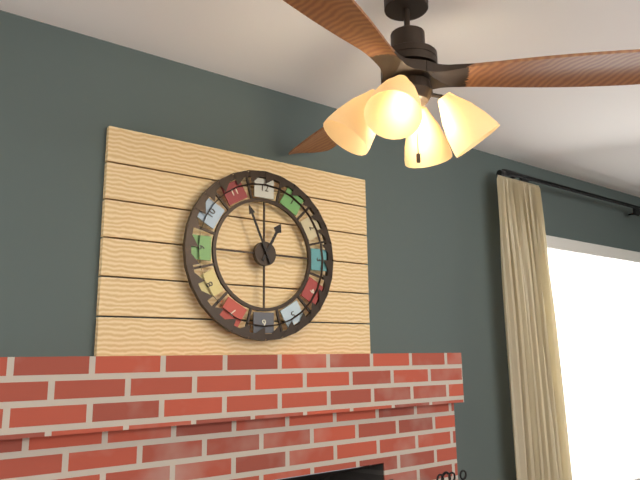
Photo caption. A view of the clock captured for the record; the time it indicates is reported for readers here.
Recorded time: 12:56
